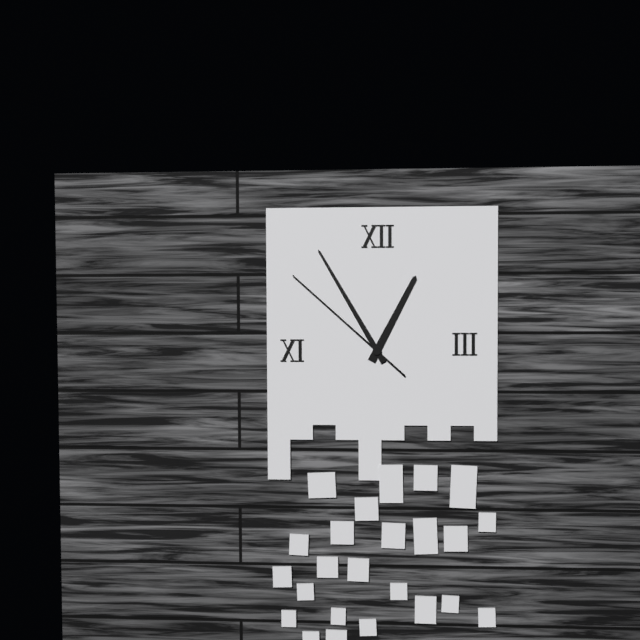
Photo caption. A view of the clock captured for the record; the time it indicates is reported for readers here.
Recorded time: 12:55:52
